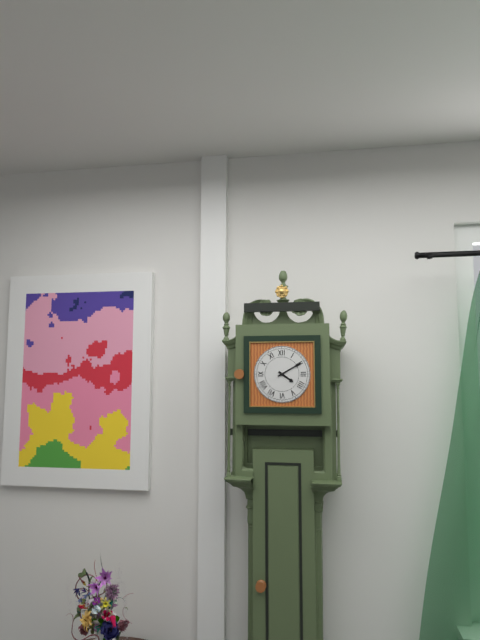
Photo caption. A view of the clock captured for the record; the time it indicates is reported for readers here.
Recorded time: 4:10
